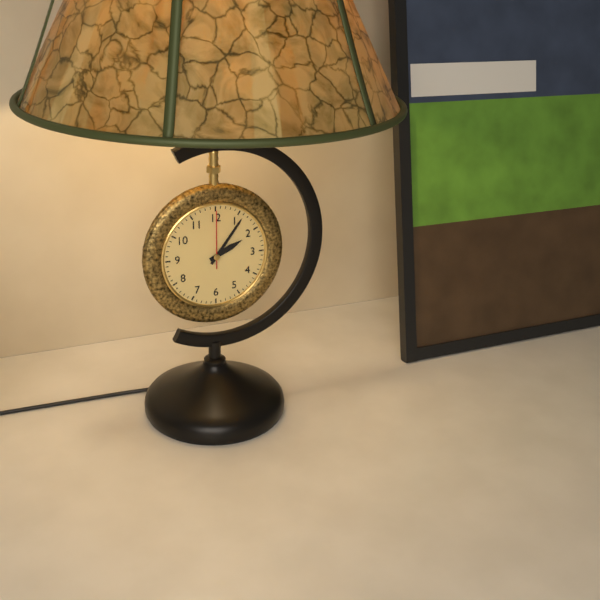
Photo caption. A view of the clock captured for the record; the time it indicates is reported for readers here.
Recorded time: 2:06:00
